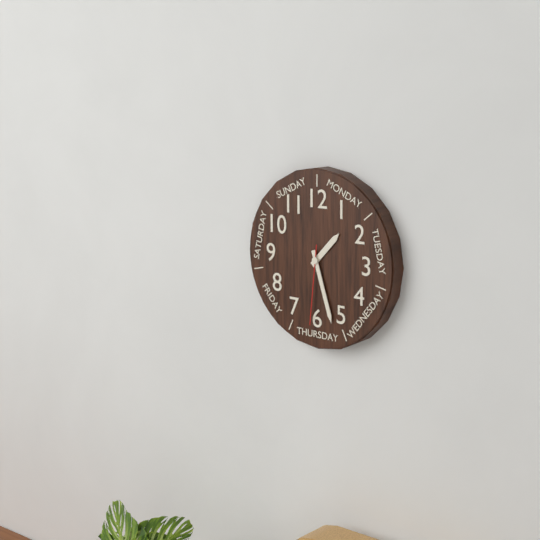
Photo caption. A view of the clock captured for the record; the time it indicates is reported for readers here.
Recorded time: 1:27:31
